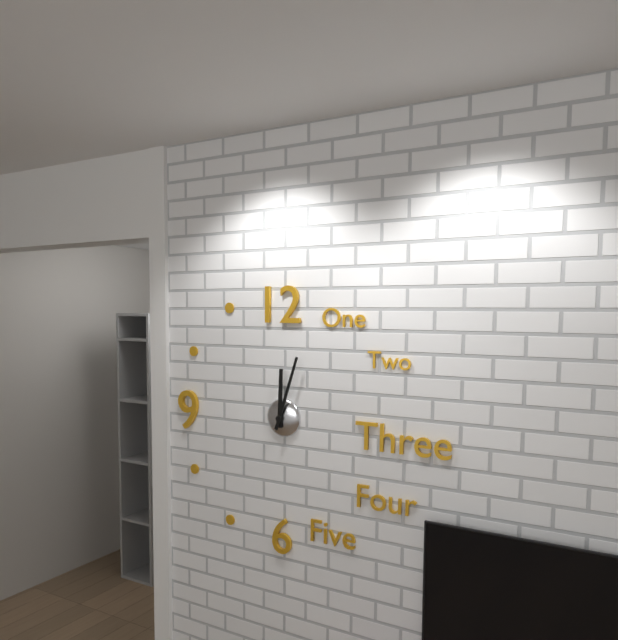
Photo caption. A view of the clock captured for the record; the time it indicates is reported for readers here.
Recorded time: 12:03
